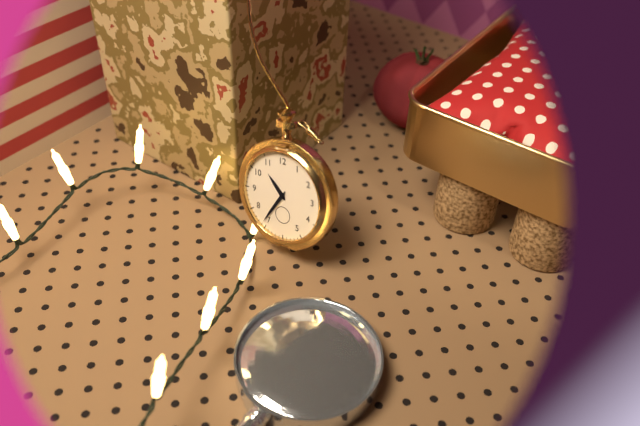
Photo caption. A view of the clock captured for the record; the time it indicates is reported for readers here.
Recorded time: 10:36
